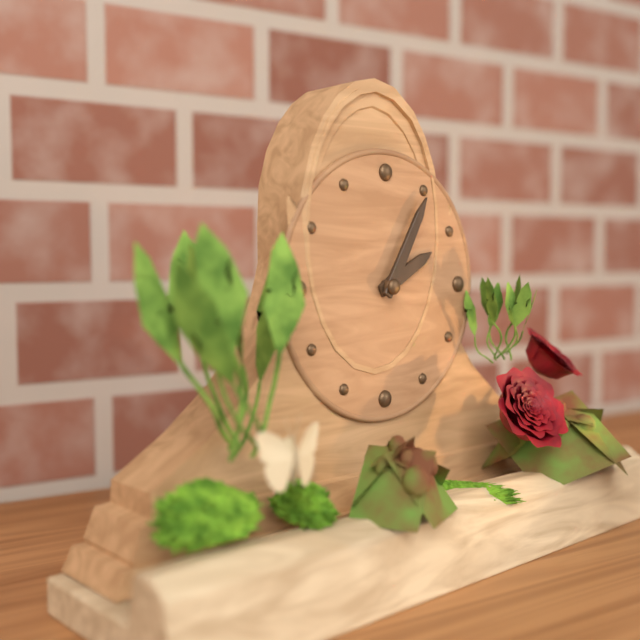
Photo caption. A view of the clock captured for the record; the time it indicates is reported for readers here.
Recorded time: 2:05
